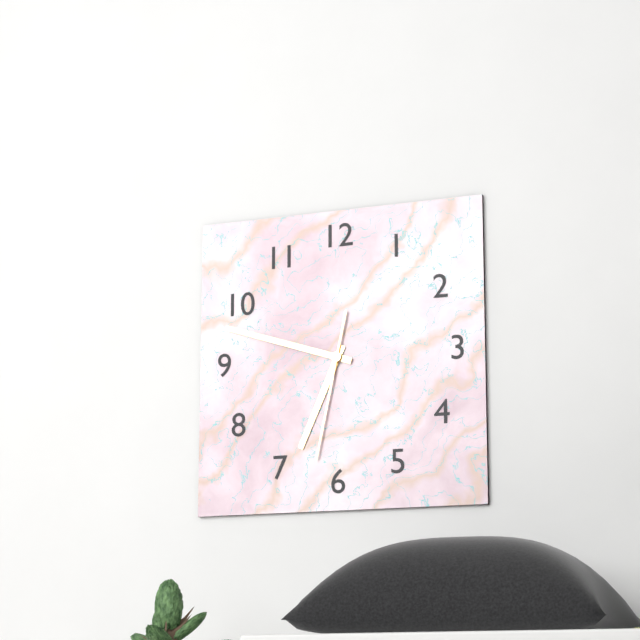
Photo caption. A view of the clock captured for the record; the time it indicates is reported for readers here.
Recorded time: 6:48:32
